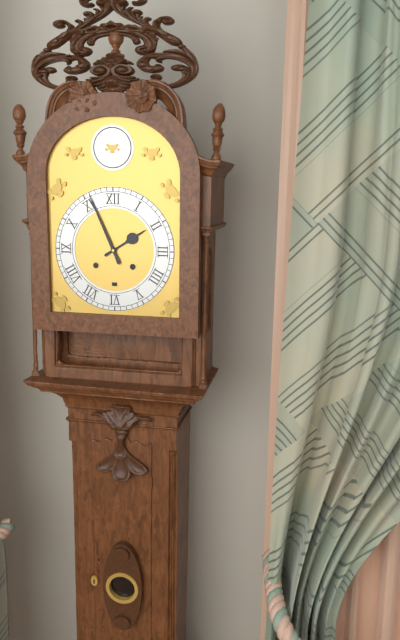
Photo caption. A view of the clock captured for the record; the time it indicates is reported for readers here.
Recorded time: 1:56
